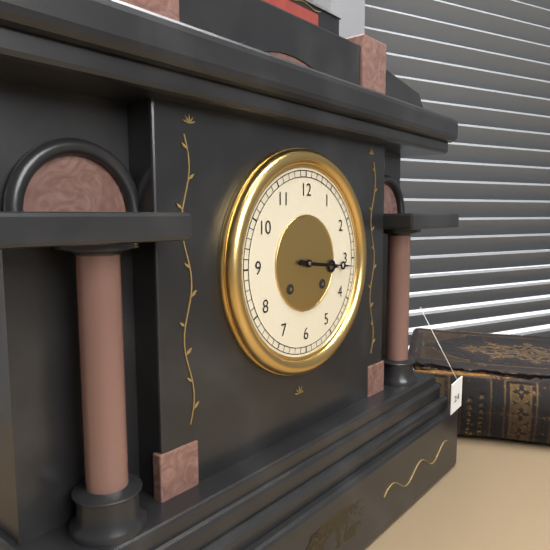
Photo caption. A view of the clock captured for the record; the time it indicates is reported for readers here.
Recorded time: 3:16
